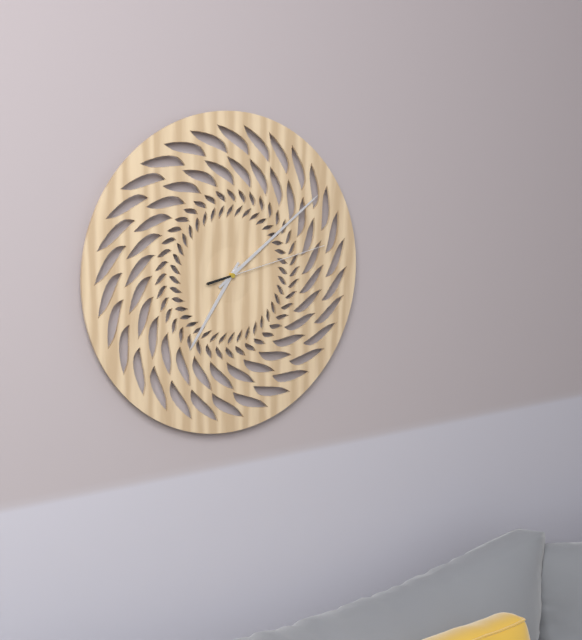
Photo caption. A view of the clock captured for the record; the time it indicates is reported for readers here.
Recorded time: 7:09:13
